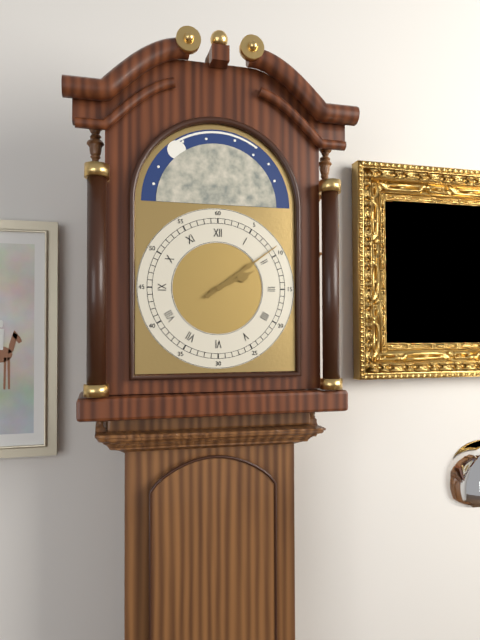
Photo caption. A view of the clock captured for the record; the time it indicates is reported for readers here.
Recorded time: 2:09
